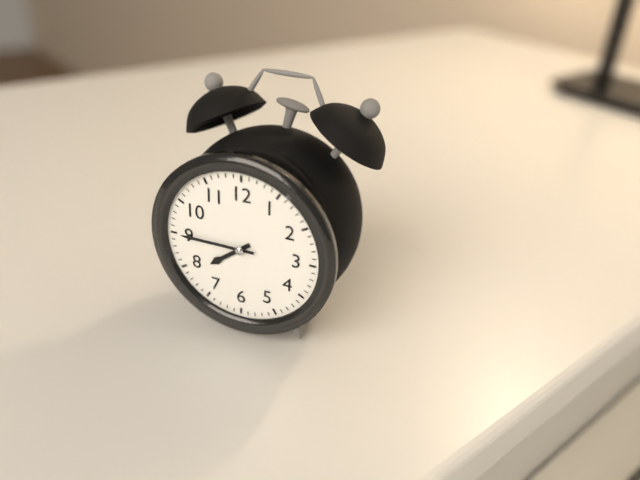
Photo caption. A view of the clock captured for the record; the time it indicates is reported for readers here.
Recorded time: 7:45
